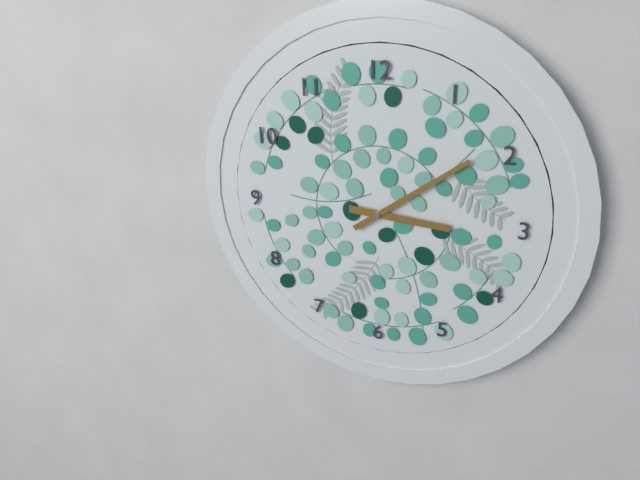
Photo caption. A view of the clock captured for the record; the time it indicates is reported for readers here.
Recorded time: 3:09
